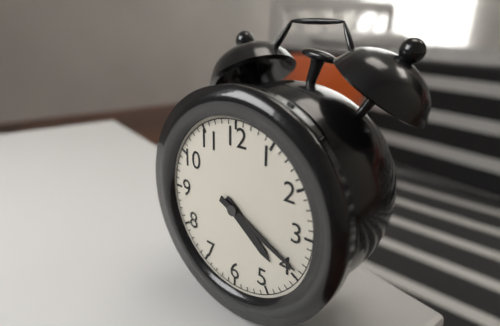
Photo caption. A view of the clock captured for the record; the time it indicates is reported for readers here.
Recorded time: 4:19
